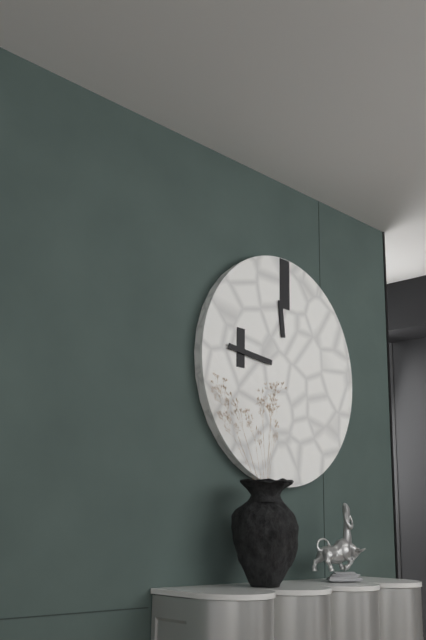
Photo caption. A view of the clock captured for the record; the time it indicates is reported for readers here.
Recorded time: 11:46
